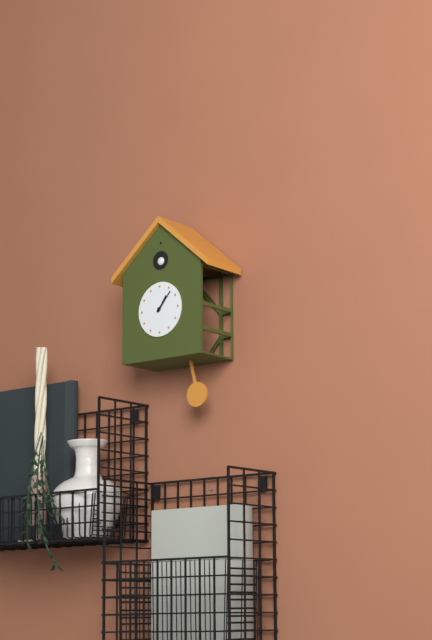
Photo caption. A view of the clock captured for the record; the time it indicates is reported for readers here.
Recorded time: 1:07
